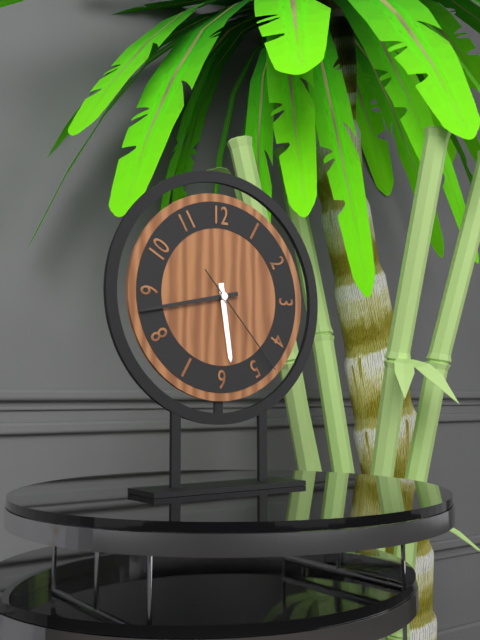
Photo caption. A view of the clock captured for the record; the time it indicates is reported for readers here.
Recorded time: 5:43:23
